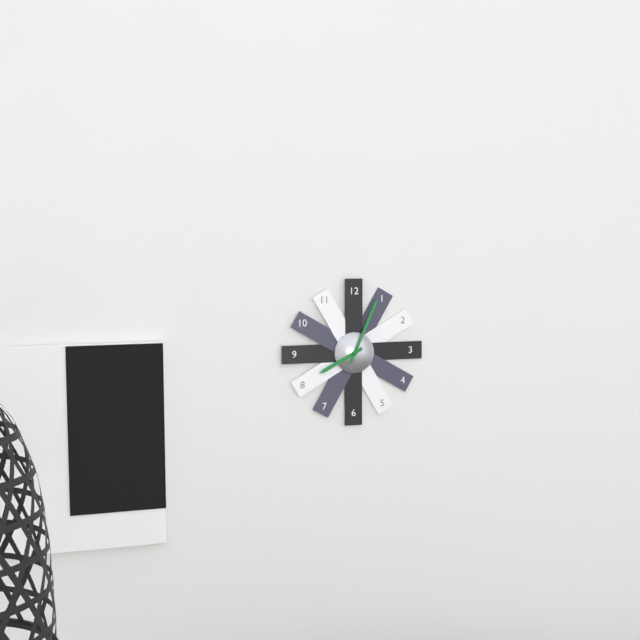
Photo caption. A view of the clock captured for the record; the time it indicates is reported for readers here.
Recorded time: 8:04
